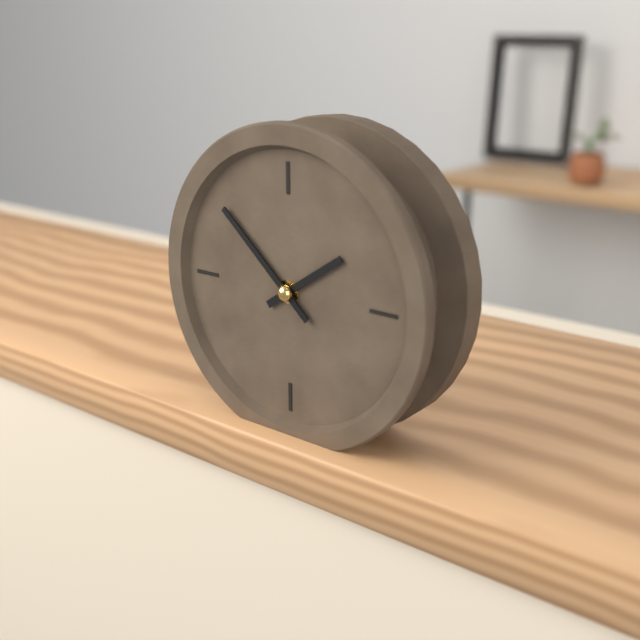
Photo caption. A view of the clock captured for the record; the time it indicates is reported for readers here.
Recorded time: 1:52
